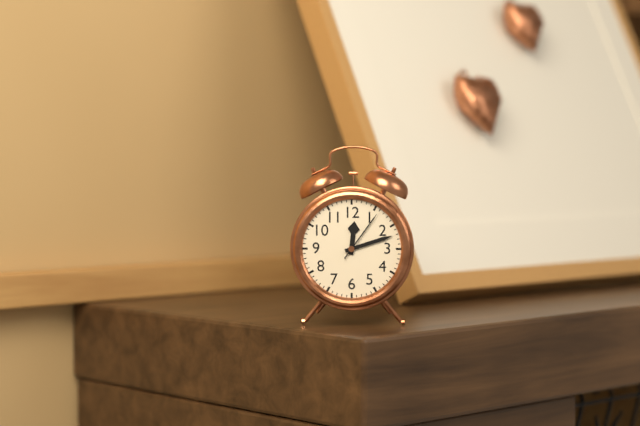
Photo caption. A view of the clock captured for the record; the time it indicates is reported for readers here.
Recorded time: 12:12:06
